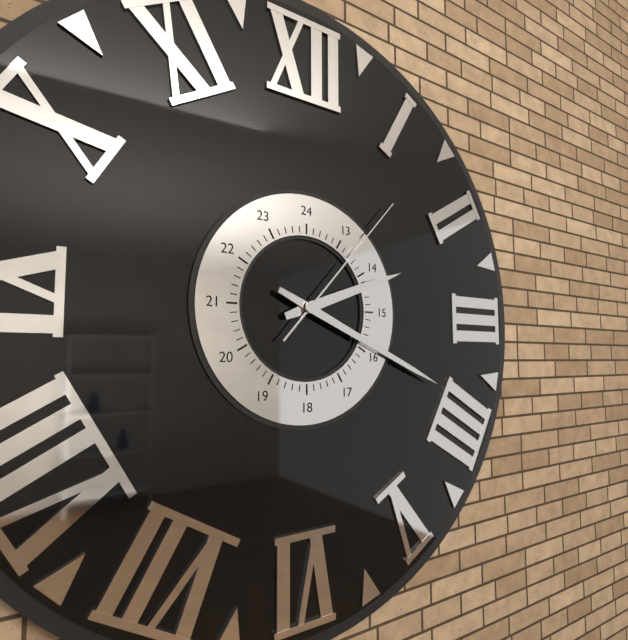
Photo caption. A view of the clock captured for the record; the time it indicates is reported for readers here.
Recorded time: 2:19:07
